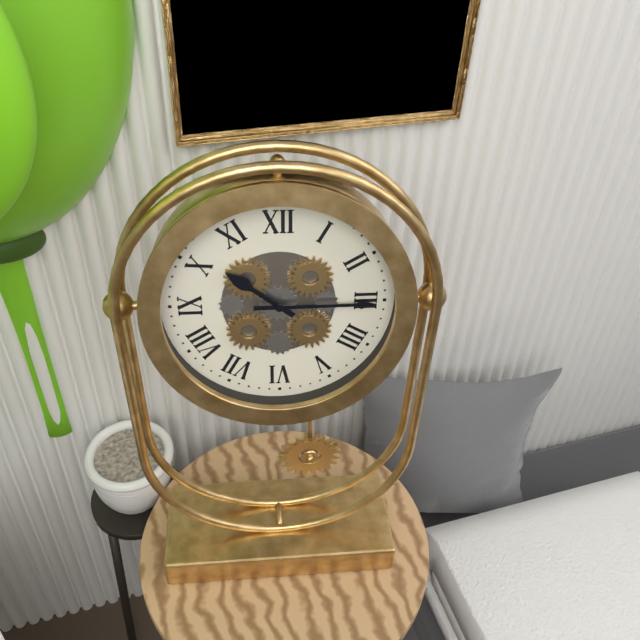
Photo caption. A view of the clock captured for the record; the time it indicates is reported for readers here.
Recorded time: 10:15
